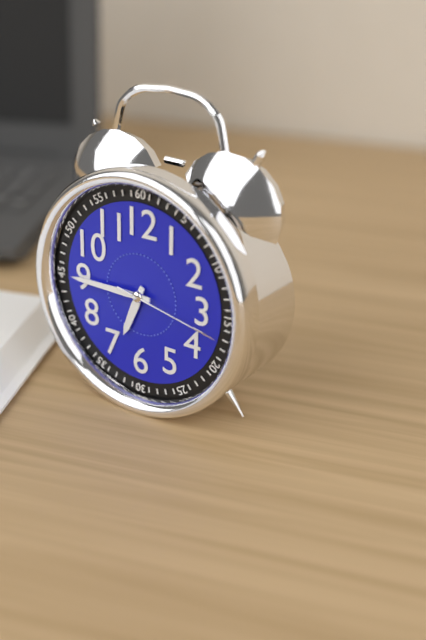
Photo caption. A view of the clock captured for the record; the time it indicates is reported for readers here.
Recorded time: 6:45:17
